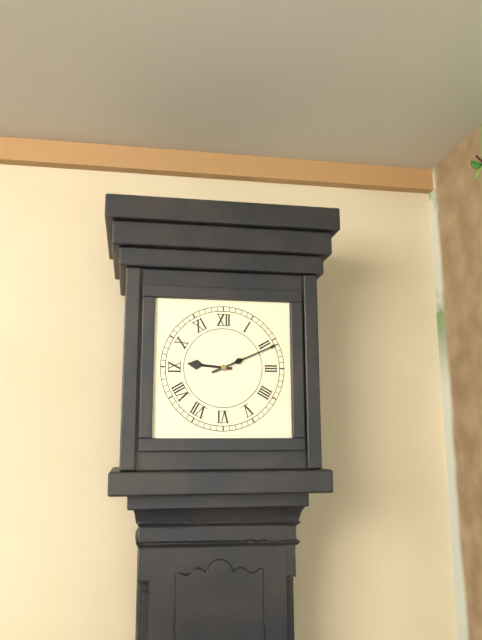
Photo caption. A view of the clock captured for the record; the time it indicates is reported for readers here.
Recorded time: 9:11
